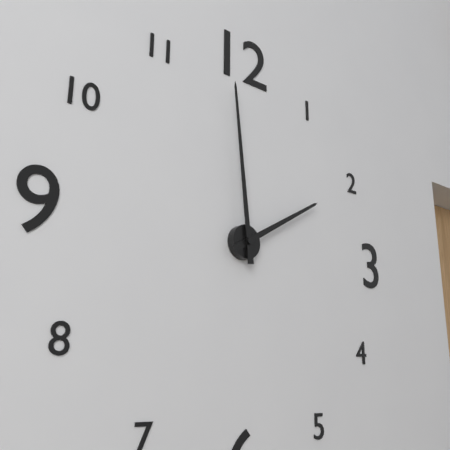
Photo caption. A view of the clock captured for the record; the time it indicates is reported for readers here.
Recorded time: 1:59
